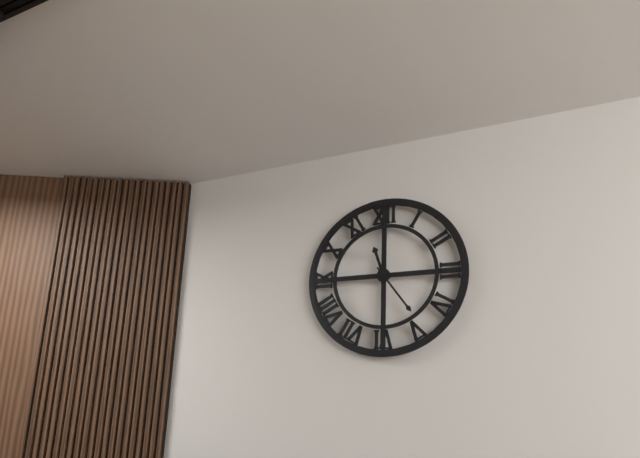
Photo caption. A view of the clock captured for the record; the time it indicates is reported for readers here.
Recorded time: 11:24
